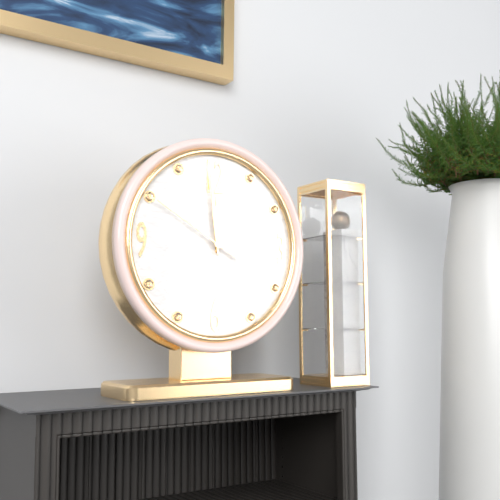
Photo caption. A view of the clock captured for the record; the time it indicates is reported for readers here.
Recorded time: 11:59:50
